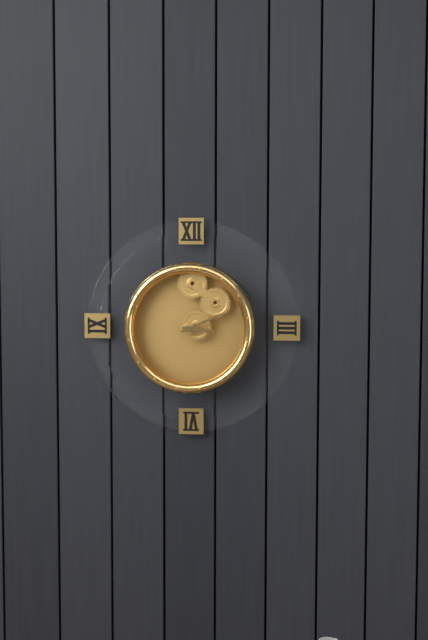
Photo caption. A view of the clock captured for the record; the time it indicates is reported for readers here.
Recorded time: 3:11
